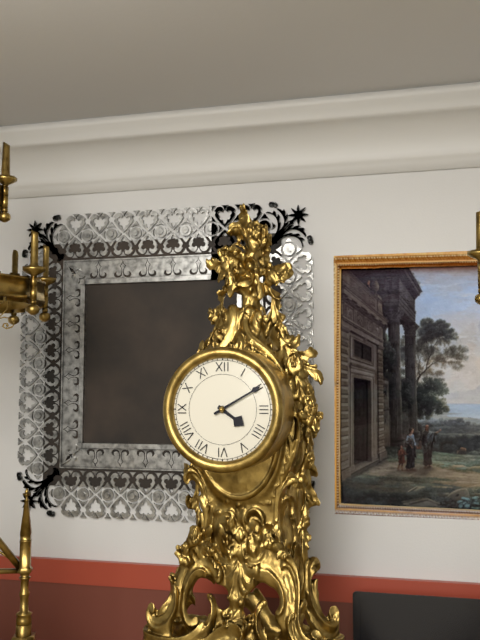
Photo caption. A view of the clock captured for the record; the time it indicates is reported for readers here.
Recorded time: 4:10
